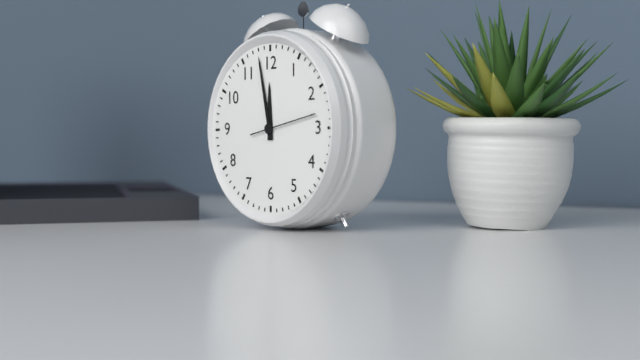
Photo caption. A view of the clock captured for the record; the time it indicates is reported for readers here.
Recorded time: 11:58:13
